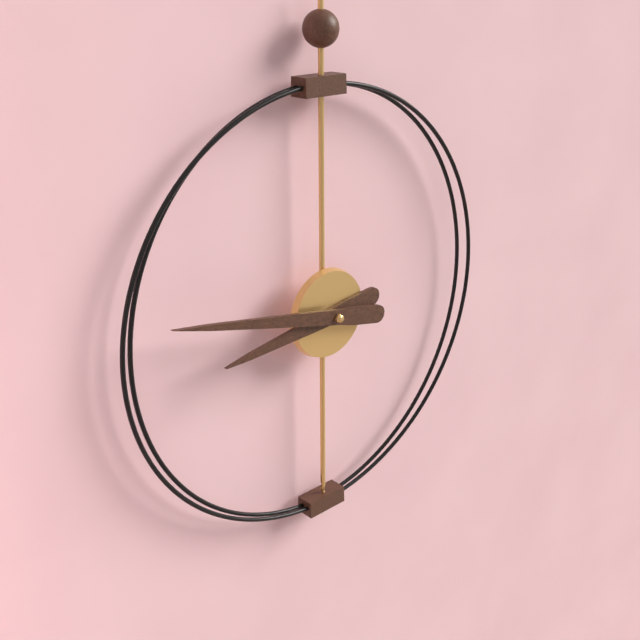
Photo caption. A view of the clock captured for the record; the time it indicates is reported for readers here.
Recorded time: 8:47
